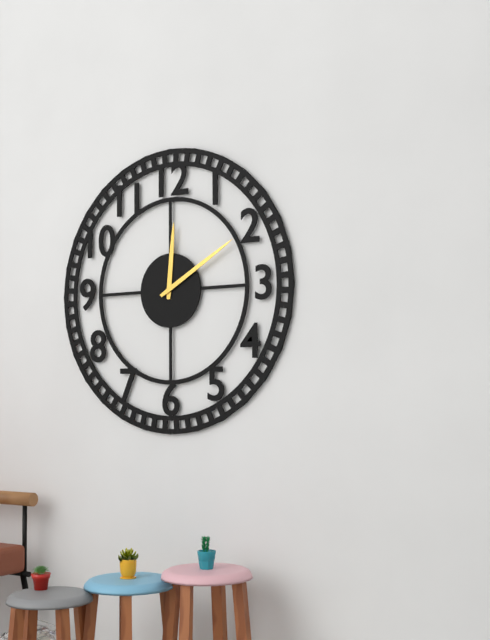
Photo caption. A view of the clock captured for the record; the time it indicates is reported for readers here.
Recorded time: 12:10
